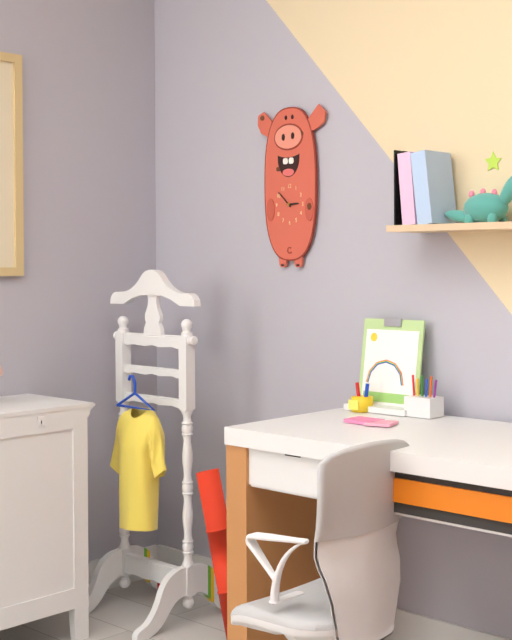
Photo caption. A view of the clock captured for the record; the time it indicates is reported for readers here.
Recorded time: 2:52
